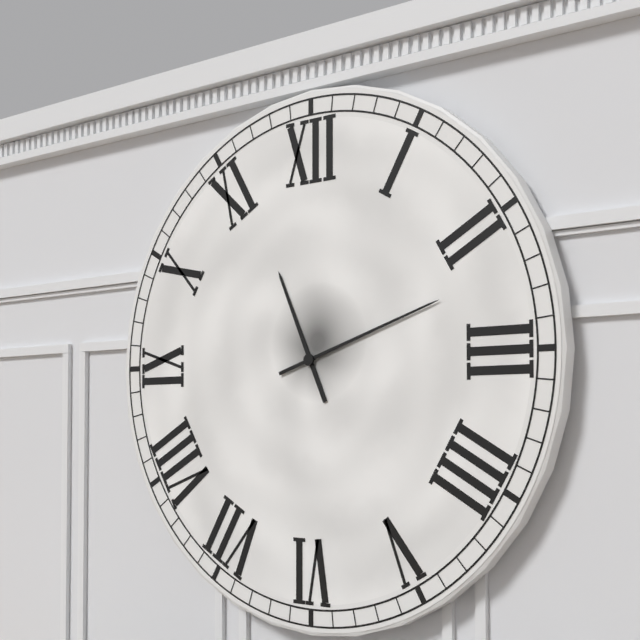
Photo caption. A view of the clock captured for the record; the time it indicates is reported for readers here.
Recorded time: 11:12
